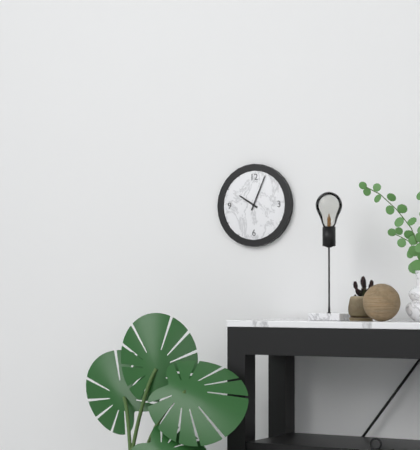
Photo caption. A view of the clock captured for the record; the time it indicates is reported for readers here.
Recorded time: 10:04
